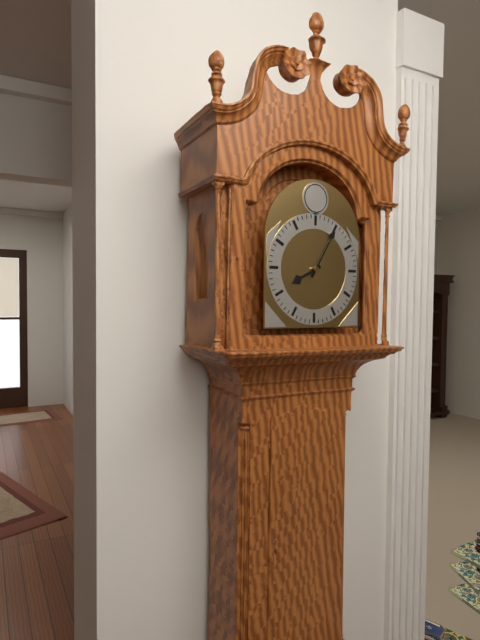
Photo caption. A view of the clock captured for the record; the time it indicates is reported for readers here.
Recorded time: 8:05
